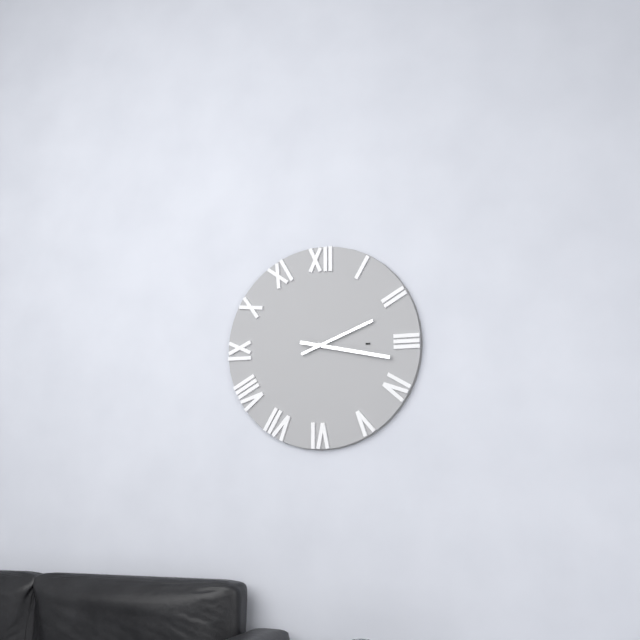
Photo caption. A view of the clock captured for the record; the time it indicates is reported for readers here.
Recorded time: 2:17
